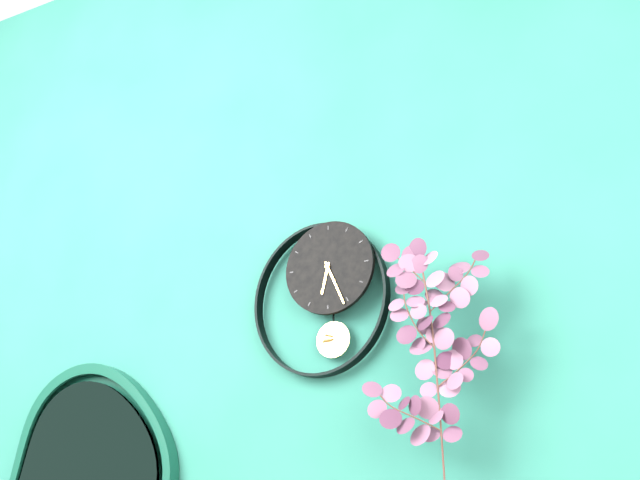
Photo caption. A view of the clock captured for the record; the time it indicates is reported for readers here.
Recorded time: 6:26
